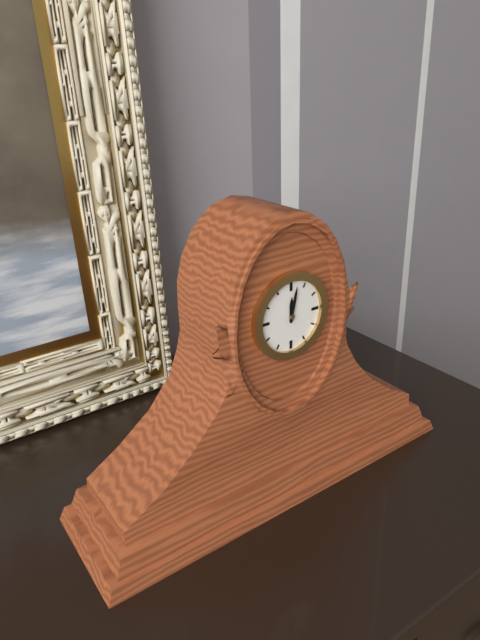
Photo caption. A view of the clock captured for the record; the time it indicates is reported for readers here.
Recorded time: 12:02
